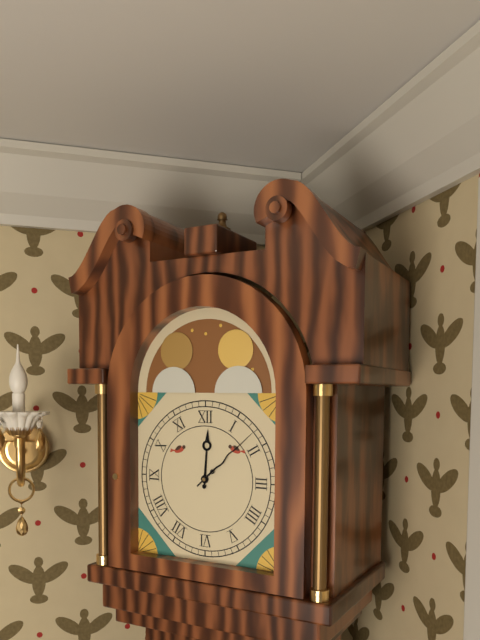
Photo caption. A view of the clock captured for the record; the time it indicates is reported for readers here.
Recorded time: 12:08
